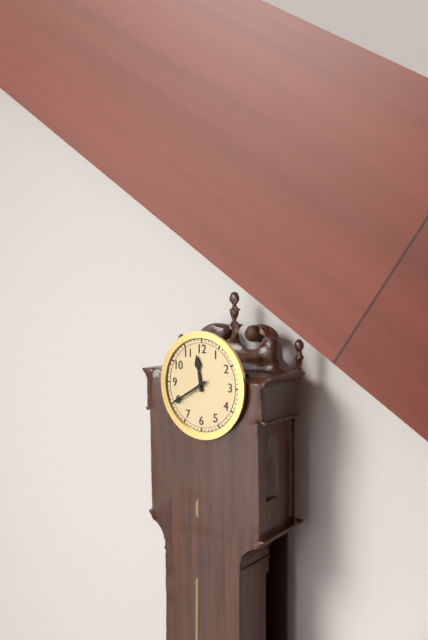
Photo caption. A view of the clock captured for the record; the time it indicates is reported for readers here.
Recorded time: 11:40
